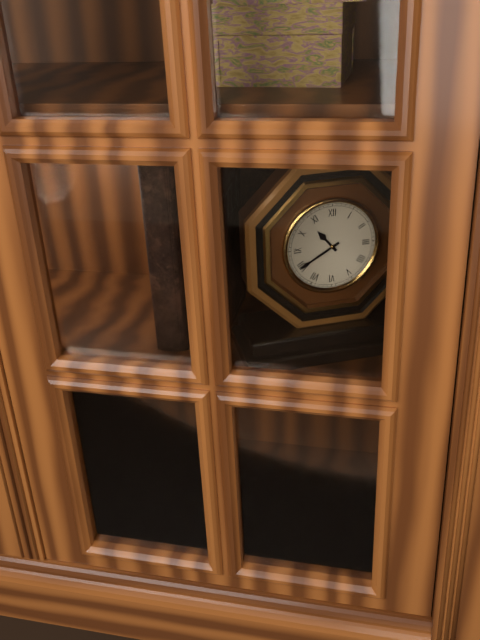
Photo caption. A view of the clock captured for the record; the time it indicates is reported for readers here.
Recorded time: 10:40
